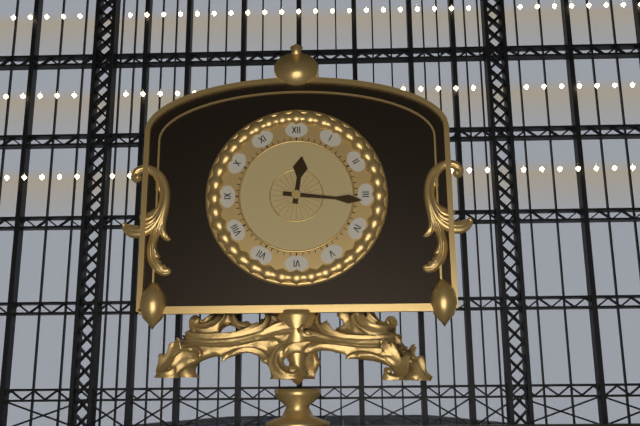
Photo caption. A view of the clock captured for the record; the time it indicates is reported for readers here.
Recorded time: 12:16
